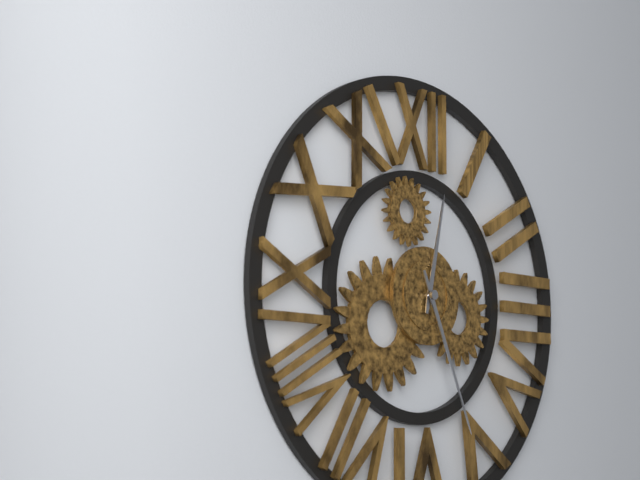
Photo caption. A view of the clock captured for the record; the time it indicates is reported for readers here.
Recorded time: 12:26
